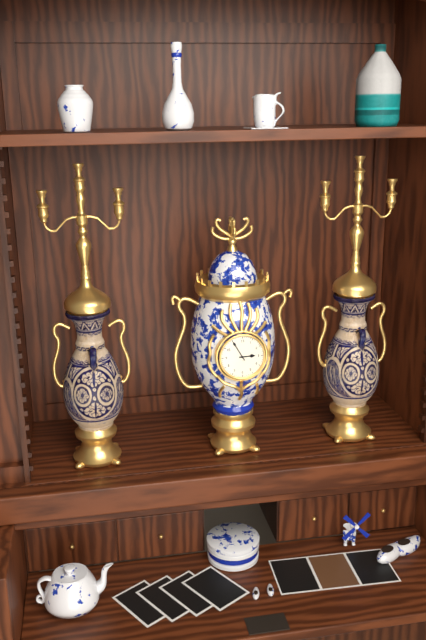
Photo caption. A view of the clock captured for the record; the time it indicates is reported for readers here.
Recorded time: 2:55
